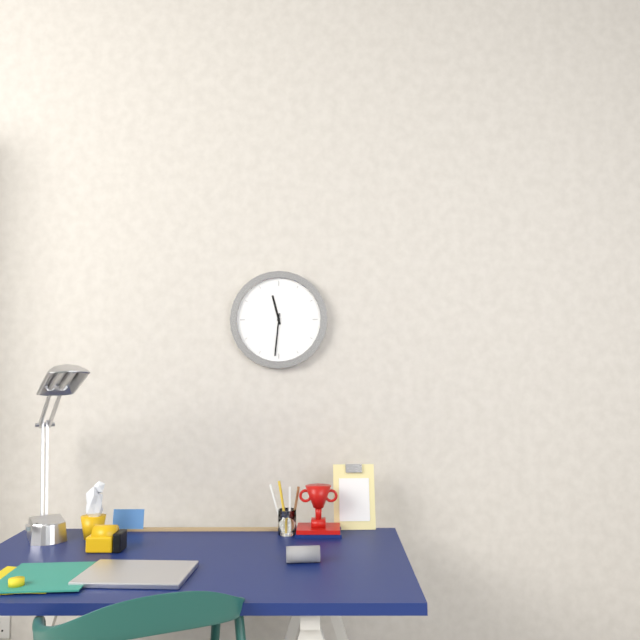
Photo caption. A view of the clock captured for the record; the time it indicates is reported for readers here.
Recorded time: 11:31
